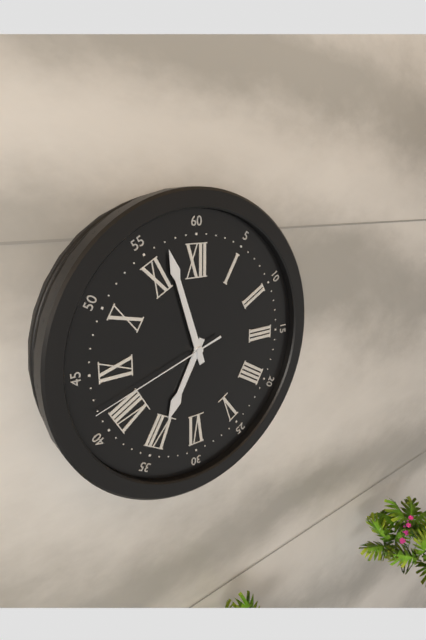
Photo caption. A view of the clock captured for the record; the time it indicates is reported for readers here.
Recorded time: 6:57:42
